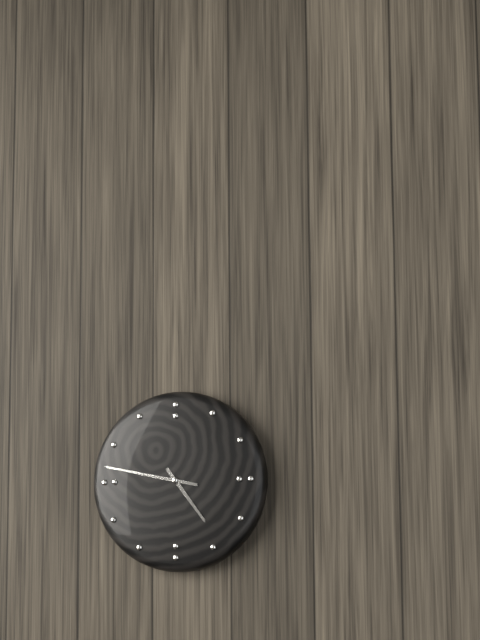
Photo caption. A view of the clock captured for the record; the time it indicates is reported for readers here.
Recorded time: 4:47
